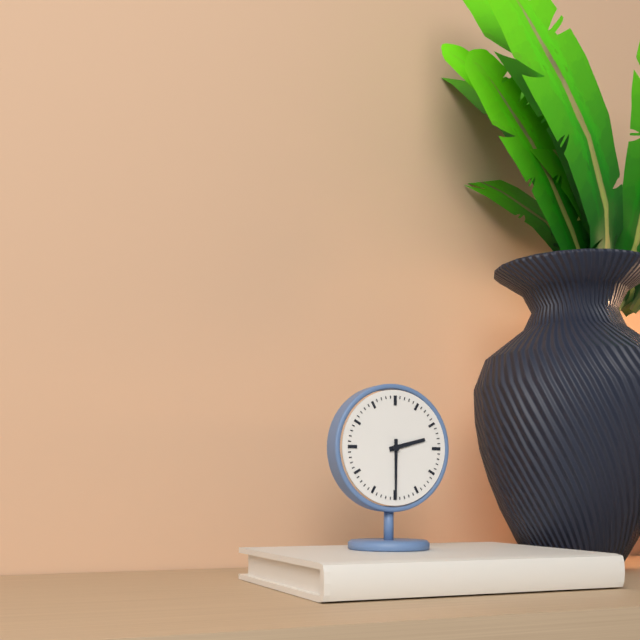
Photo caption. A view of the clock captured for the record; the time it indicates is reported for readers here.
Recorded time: 2:30
